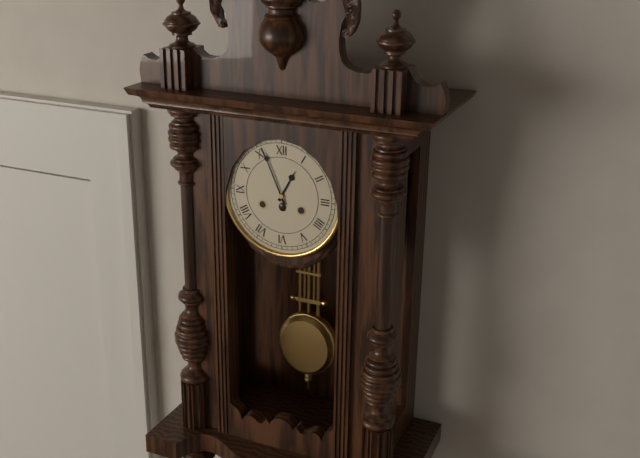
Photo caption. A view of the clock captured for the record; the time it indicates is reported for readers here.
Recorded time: 12:56
